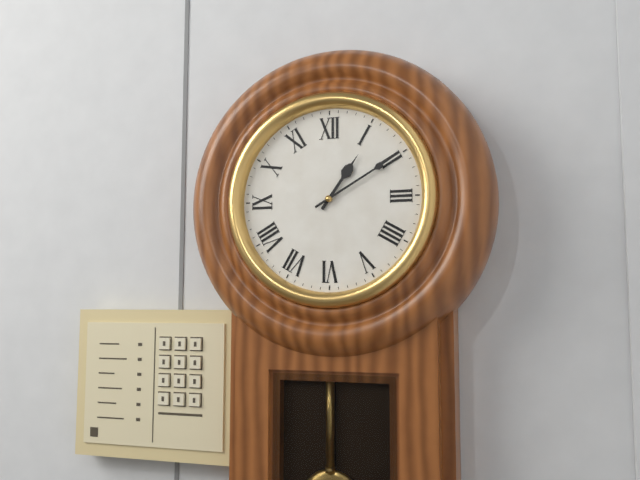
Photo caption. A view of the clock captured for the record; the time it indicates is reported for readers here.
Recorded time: 1:10
